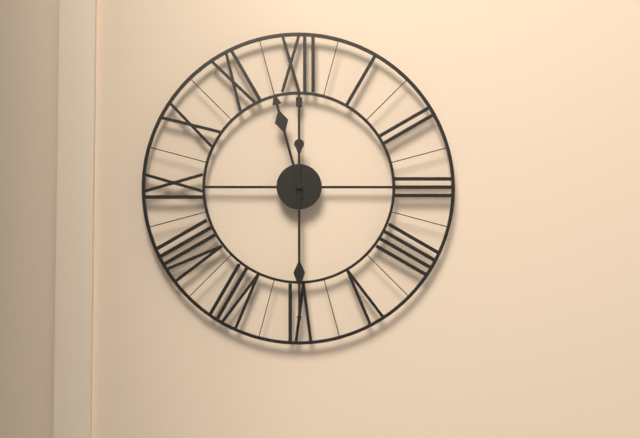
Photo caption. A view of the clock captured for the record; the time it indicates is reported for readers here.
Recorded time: 11:30
